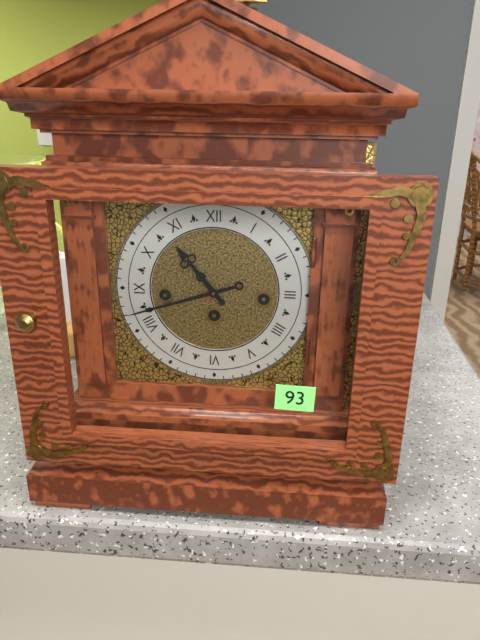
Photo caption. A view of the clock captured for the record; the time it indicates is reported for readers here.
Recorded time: 10:42
